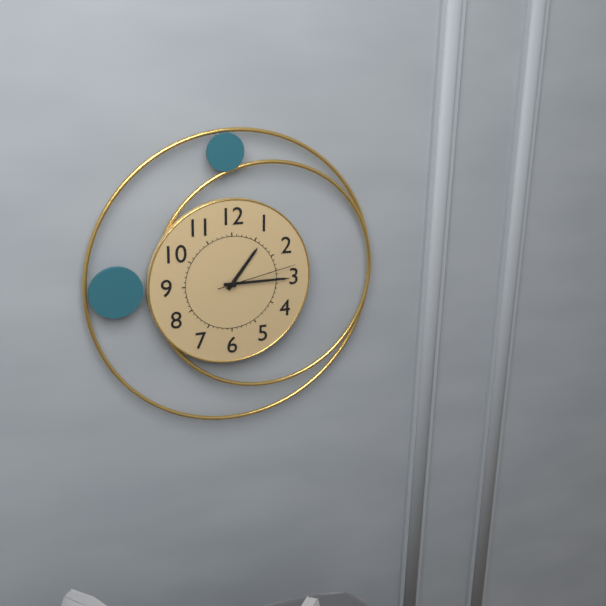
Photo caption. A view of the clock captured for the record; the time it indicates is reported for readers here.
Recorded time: 1:15:13
